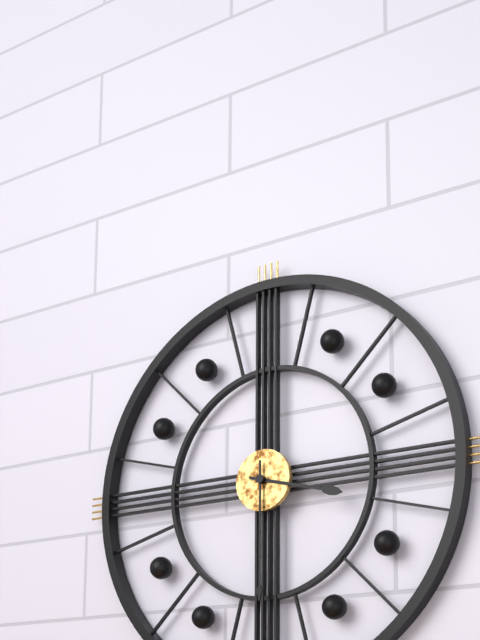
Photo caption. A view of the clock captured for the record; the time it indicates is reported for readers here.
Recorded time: 3:30
